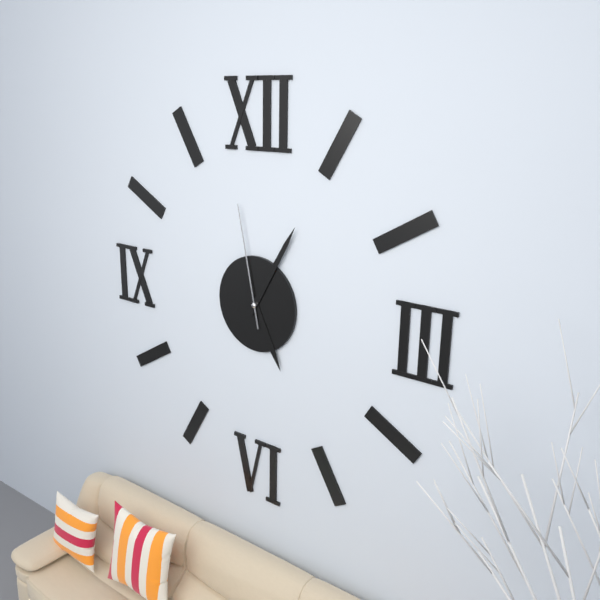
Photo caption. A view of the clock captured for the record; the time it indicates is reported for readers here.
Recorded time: 5:05:58
